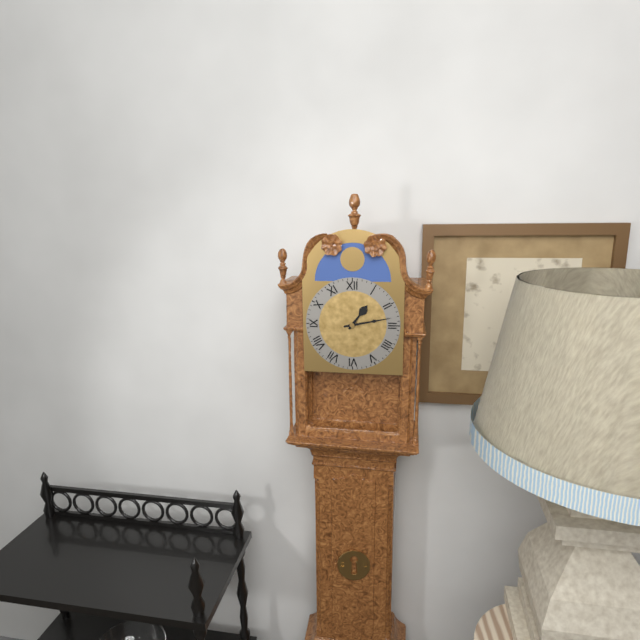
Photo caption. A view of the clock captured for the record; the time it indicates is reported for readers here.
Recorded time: 1:13
